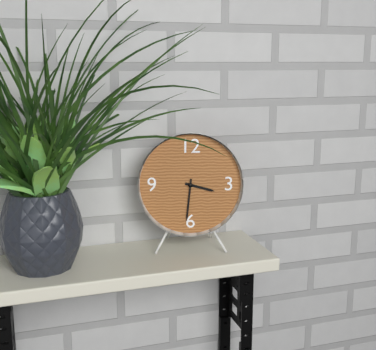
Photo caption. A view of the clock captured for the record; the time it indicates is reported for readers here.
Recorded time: 3:31
